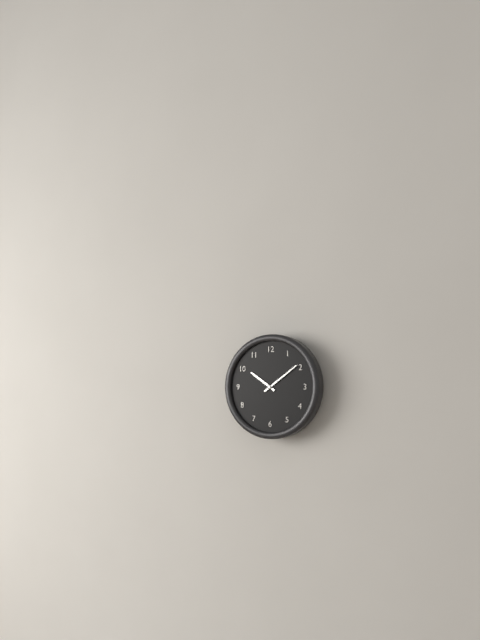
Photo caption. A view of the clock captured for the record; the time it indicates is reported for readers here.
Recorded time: 10:09
